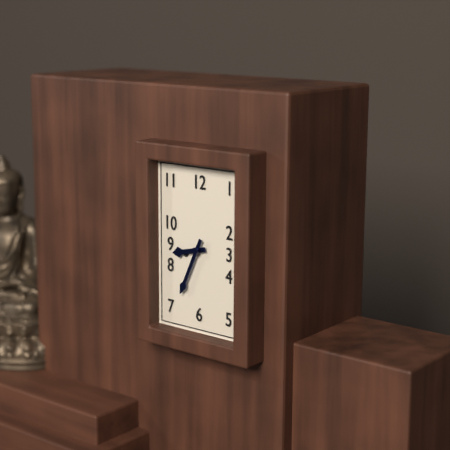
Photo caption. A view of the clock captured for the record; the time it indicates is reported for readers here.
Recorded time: 8:34
